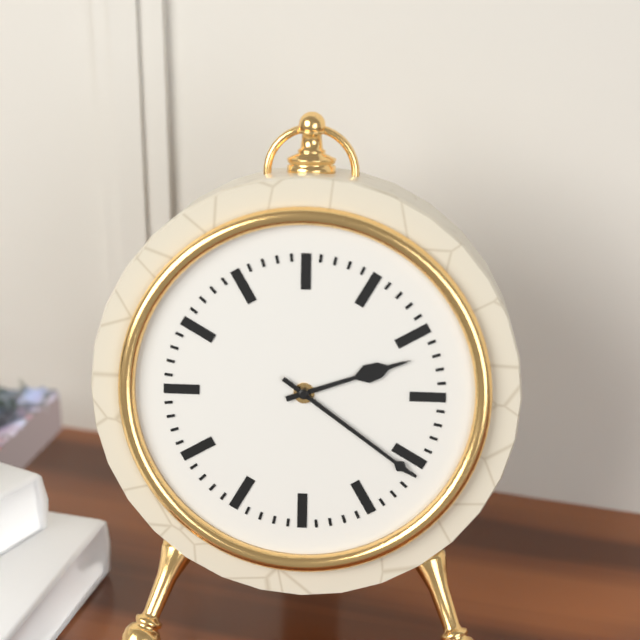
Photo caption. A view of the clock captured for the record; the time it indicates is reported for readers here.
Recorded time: 2:21
